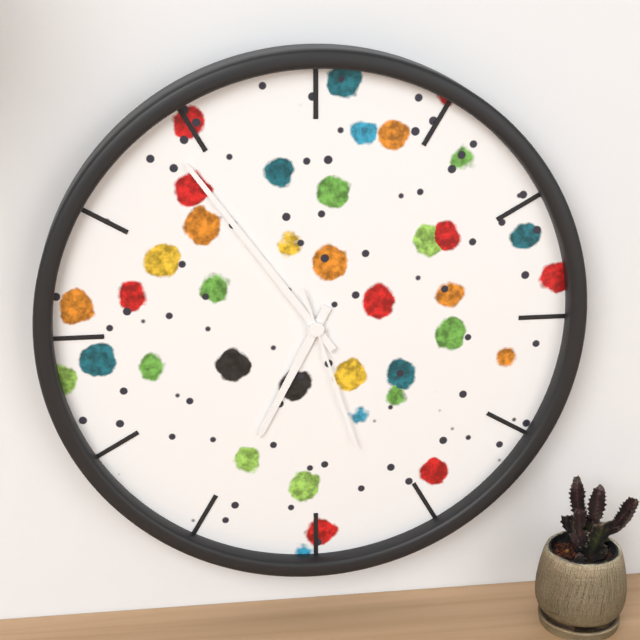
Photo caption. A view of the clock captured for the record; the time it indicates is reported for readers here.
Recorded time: 6:54:27
